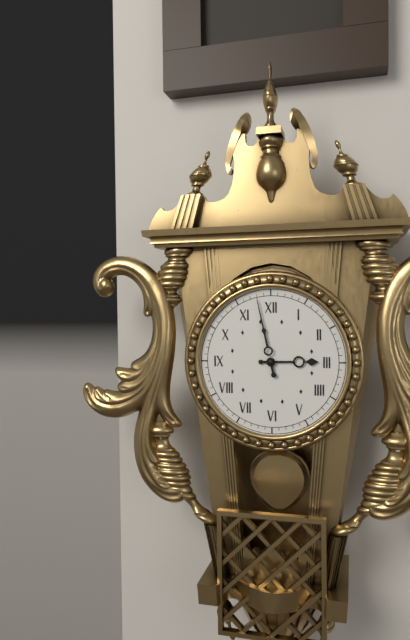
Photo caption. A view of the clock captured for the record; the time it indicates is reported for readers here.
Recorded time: 2:58
